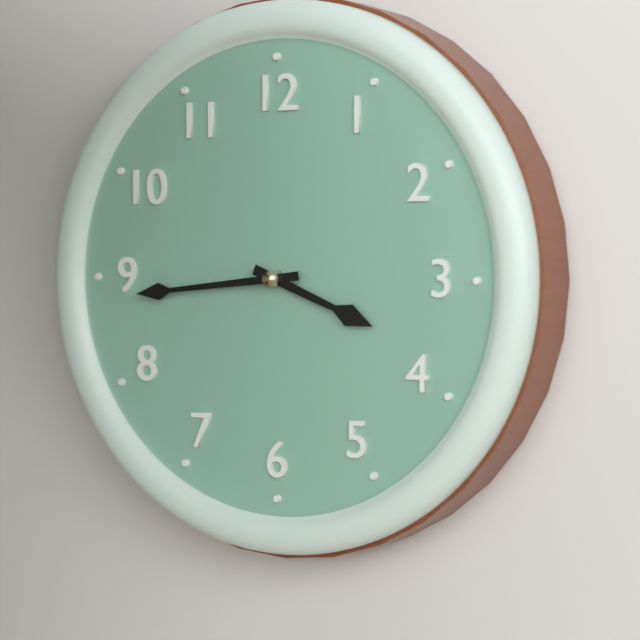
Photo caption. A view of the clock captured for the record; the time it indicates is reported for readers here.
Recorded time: 3:44
